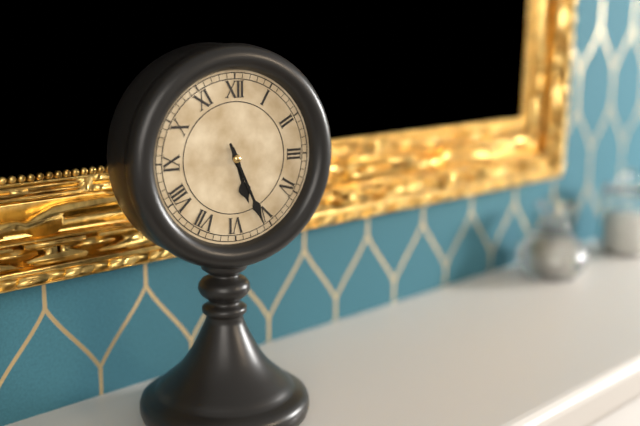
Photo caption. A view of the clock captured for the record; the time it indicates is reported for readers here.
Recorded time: 5:26
